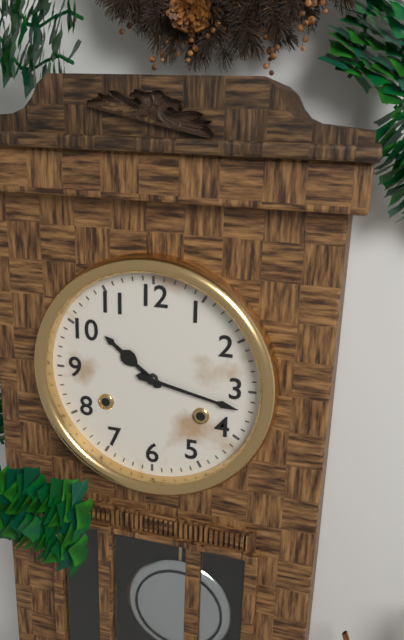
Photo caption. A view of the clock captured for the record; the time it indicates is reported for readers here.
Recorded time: 10:17
